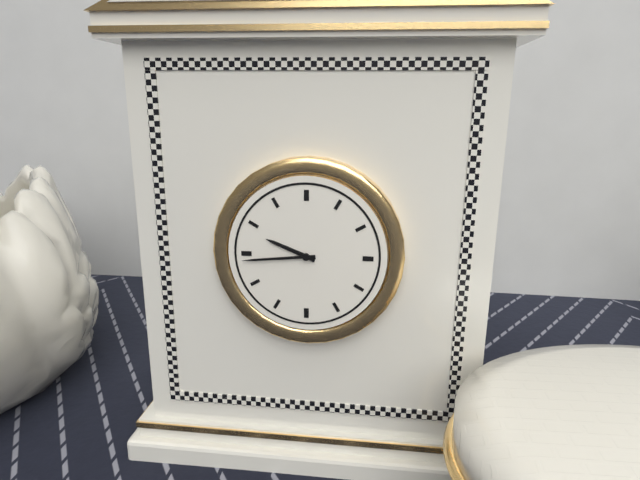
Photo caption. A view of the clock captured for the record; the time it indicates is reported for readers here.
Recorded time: 9:44
